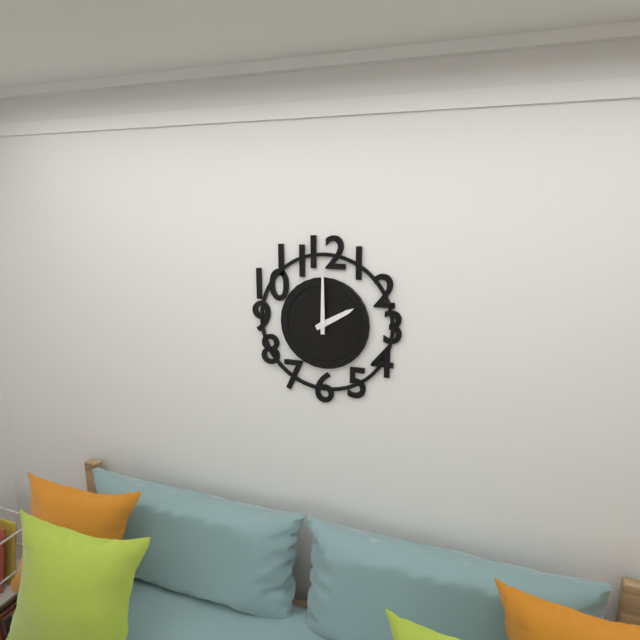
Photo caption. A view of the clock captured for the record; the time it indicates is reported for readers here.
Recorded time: 2:00
